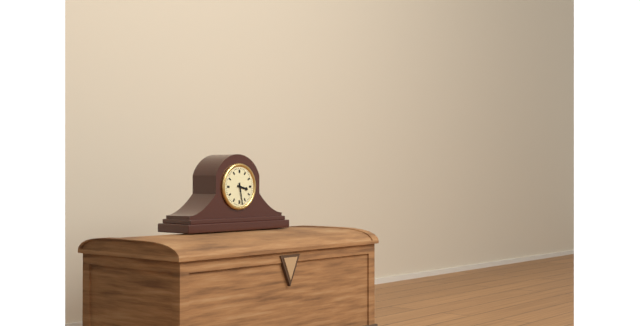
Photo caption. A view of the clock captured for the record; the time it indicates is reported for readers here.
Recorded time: 3:28
